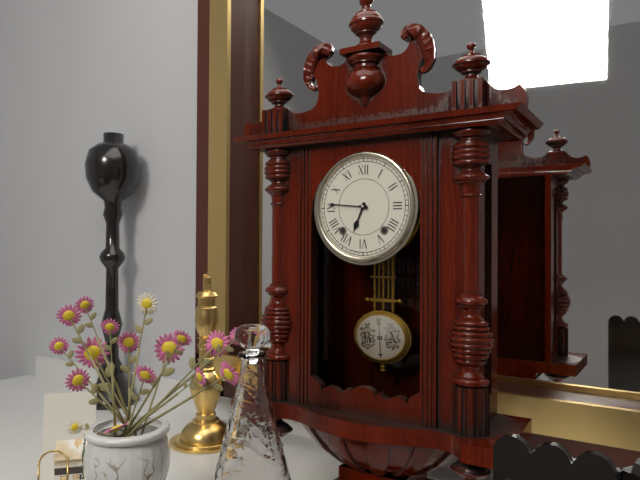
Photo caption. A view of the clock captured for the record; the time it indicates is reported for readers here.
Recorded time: 6:46
